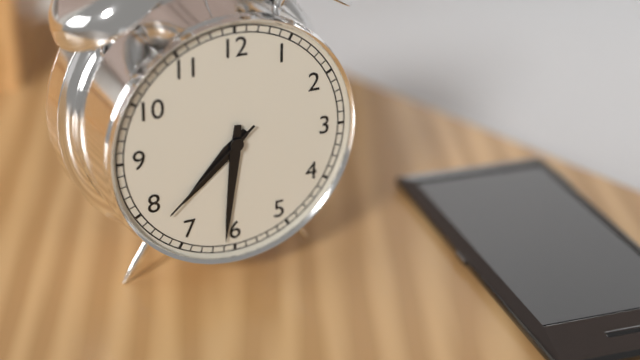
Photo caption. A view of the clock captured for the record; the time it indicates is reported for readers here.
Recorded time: 7:31:38
